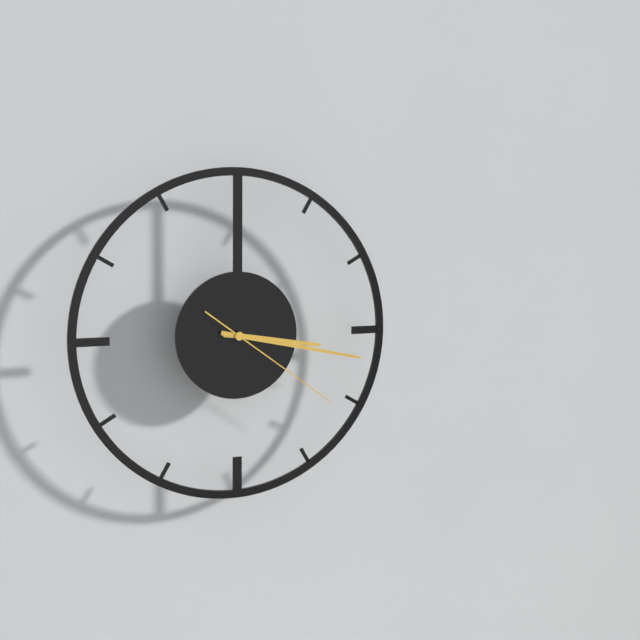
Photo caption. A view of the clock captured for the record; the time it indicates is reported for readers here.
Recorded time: 3:17:21
